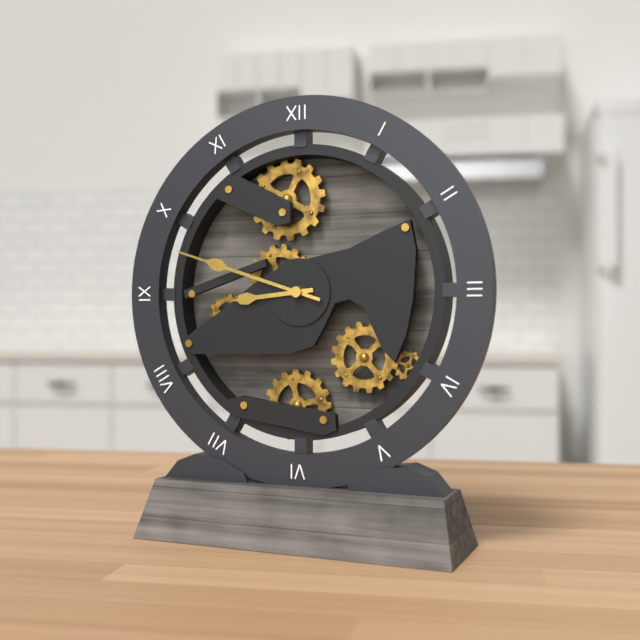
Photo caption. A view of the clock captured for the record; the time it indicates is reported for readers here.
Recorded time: 8:48
